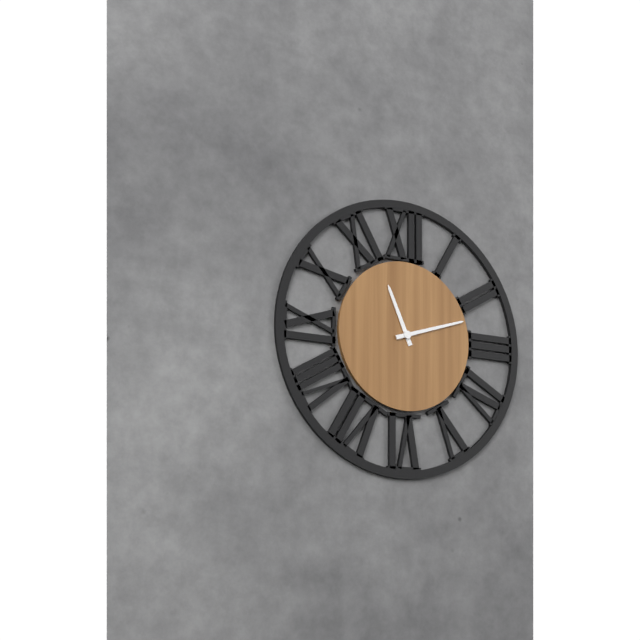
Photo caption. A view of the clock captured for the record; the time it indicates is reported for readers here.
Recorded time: 11:12
